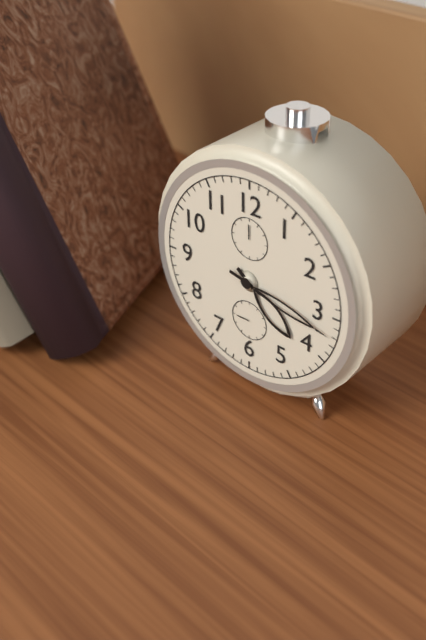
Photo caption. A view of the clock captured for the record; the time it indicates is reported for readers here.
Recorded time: 4:17
